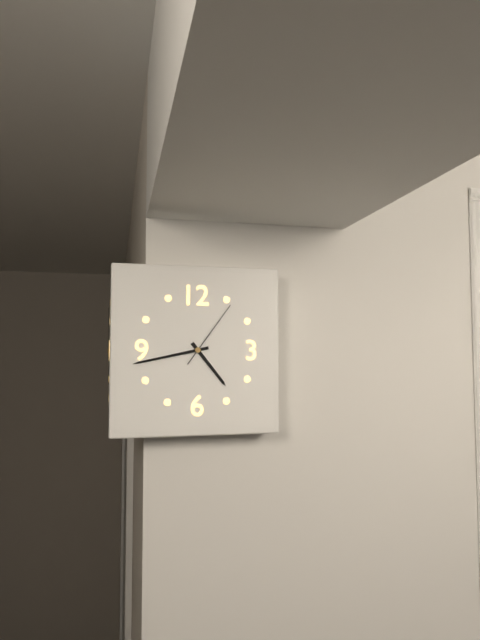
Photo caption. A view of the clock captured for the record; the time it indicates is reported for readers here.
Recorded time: 4:43:06
